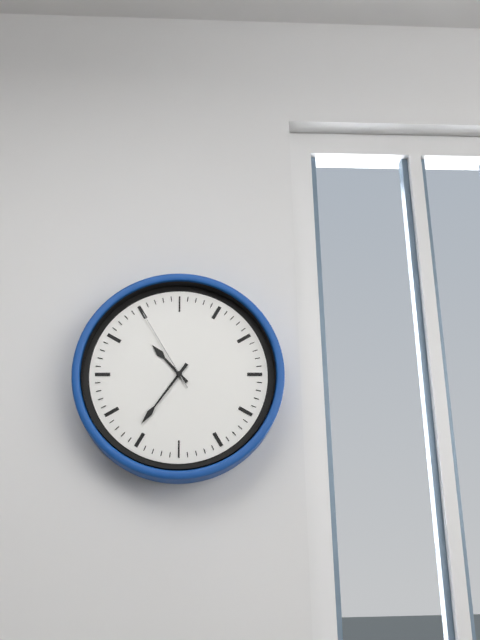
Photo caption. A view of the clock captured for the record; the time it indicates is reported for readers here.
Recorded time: 10:36:55
